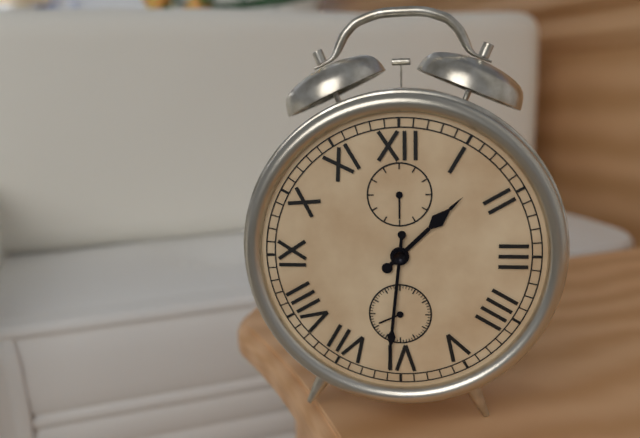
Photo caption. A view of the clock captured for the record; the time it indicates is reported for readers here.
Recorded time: 1:31
